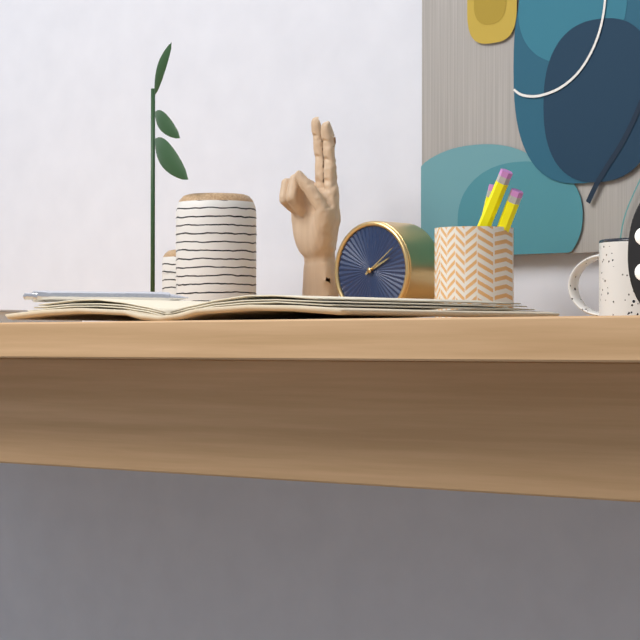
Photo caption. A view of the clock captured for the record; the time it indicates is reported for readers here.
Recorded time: 2:09
